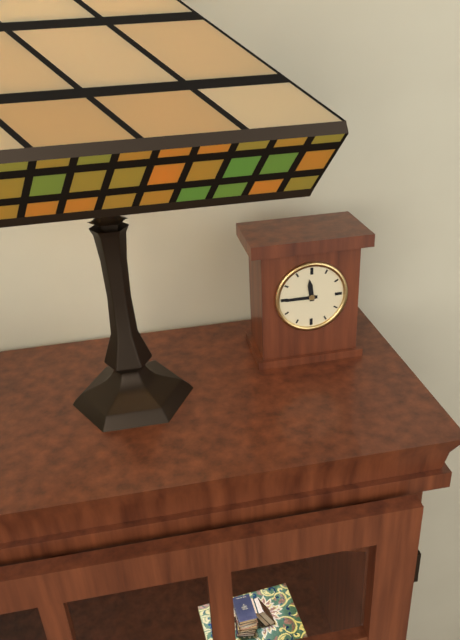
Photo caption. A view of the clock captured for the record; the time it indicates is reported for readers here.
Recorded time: 11:45
